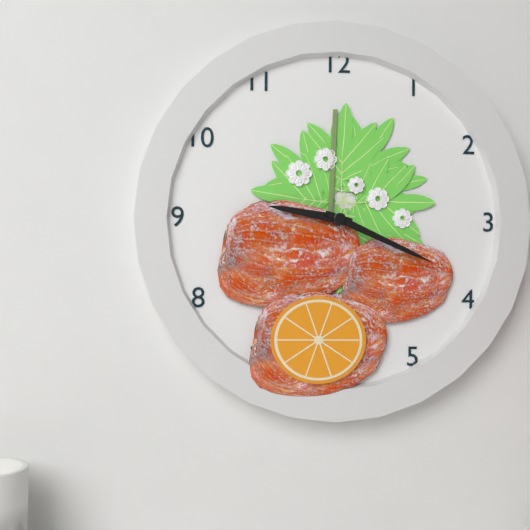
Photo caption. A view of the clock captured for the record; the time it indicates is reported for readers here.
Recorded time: 9:19
